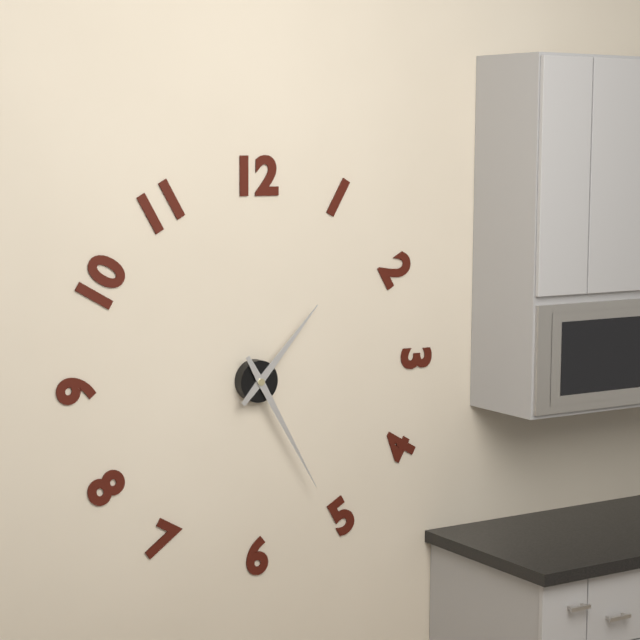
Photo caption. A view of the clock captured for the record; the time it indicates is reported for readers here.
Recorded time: 1:25
